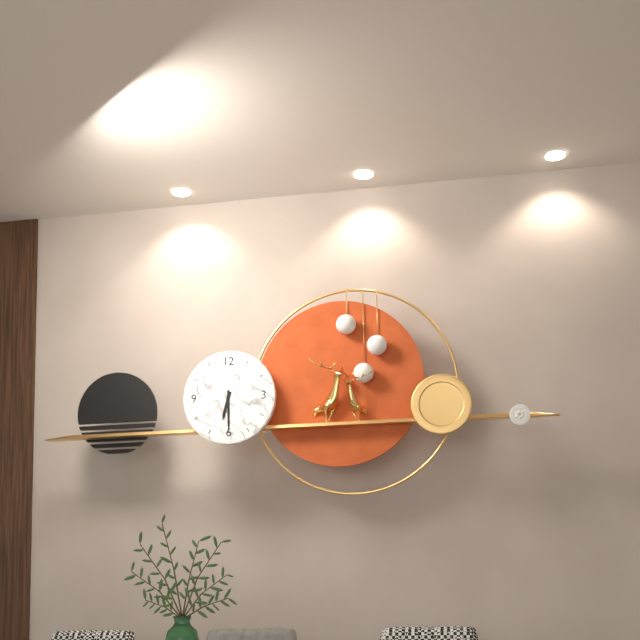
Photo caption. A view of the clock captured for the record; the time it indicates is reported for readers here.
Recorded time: 6:30
